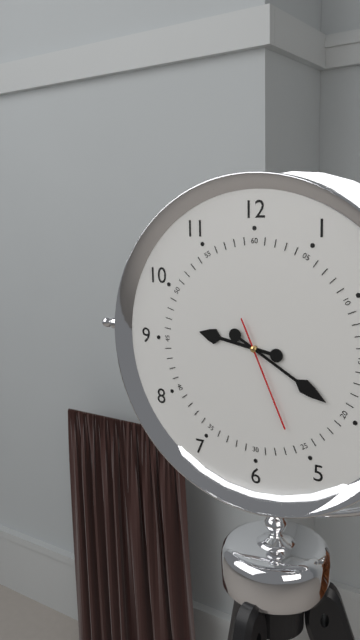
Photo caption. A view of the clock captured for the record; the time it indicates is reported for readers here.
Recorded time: 9:20:26
